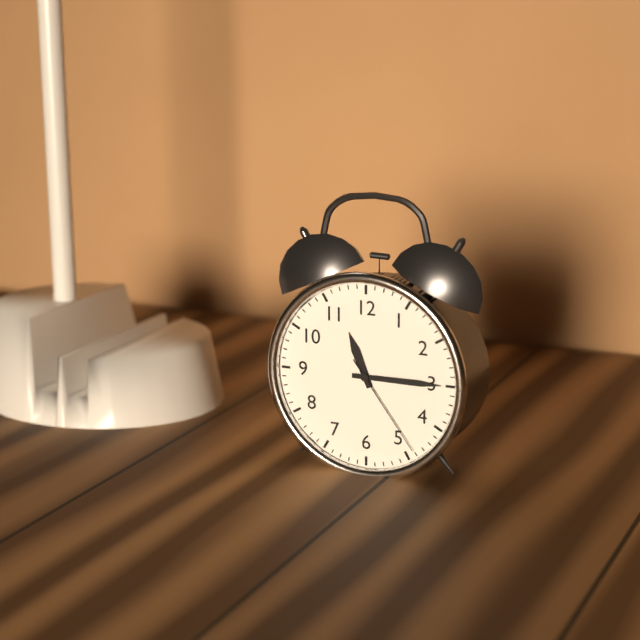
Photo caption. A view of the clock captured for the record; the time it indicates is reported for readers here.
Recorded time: 11:15:24
